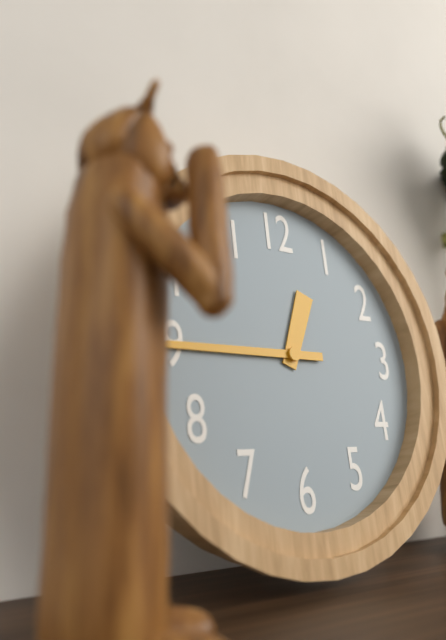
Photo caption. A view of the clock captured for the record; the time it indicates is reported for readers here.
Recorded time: 12:45
